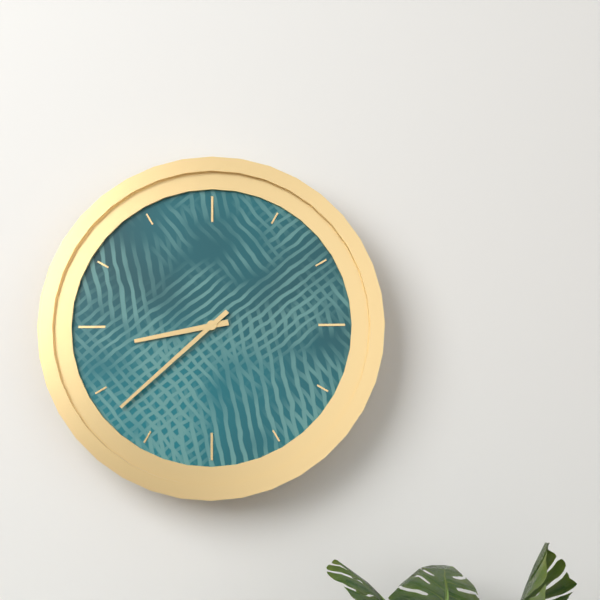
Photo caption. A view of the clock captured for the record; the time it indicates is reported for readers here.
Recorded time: 8:38
